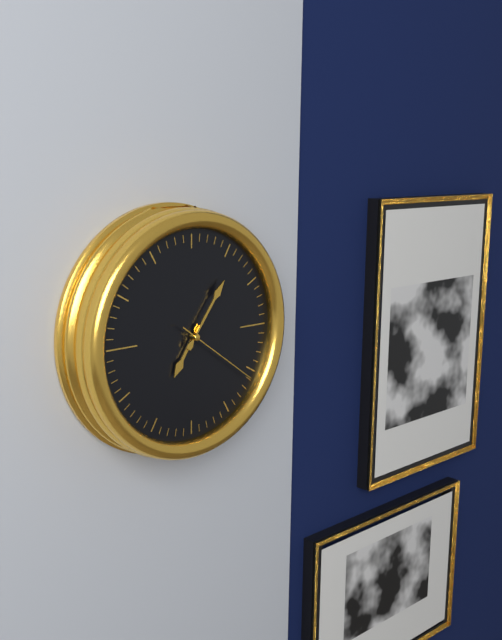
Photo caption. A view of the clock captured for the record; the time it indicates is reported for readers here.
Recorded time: 7:06:21
